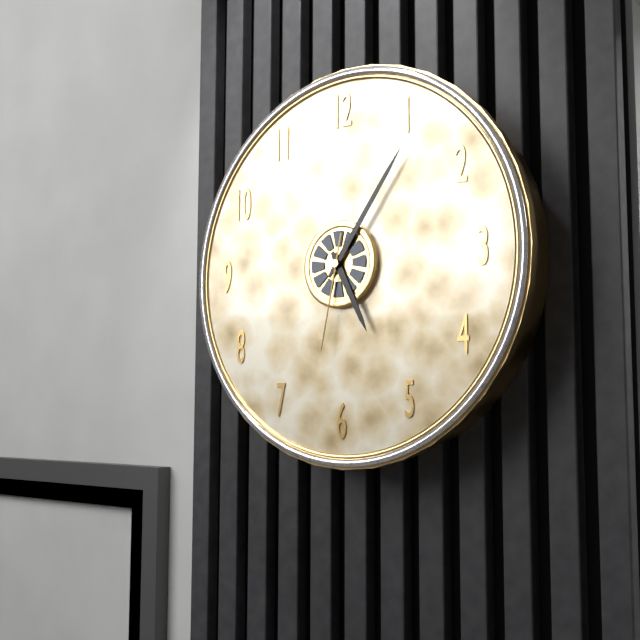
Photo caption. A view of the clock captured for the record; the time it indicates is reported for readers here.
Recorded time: 5:06:32
